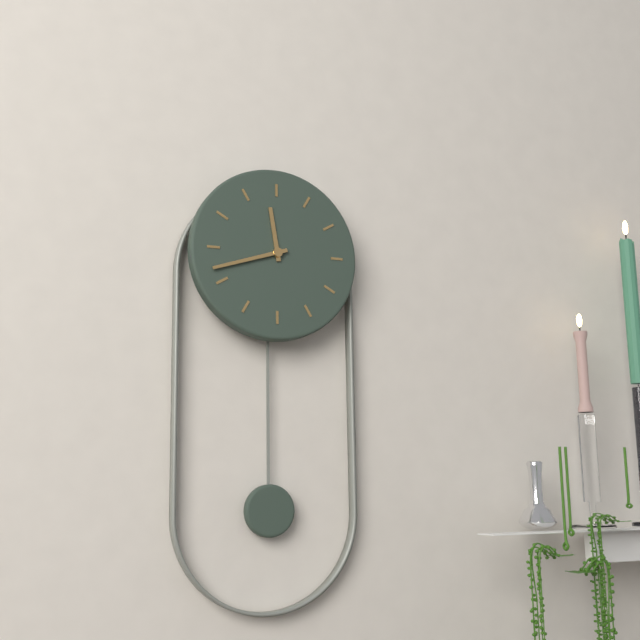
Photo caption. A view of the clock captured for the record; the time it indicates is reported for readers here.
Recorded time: 11:42
